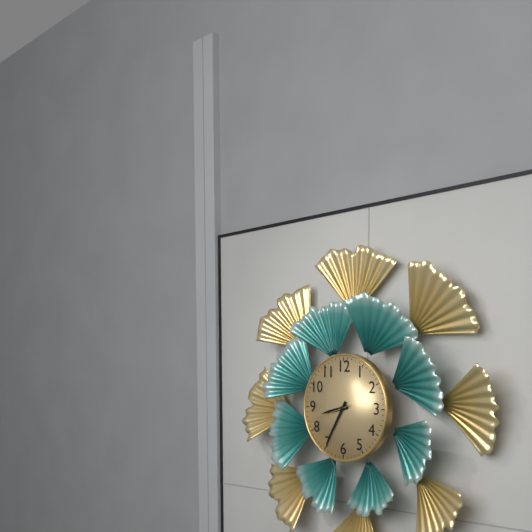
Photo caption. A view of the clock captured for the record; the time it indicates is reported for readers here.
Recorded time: 8:35
